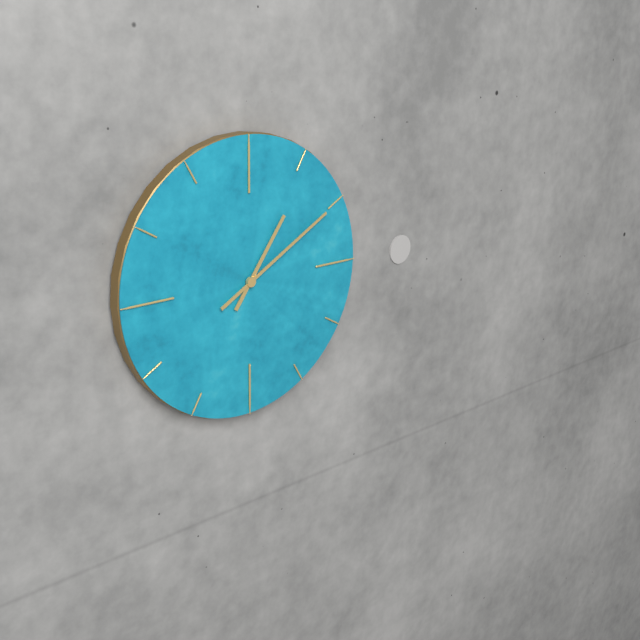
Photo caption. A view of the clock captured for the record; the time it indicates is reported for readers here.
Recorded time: 1:10
